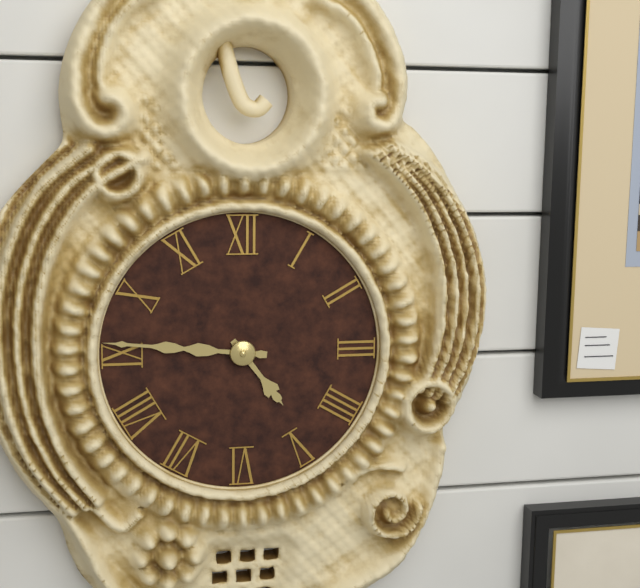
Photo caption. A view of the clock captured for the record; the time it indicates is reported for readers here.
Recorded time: 4:46
